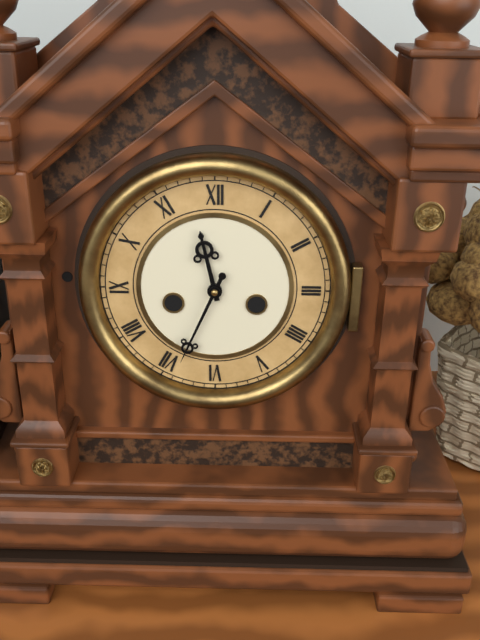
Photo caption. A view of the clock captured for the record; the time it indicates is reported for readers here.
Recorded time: 11:34
